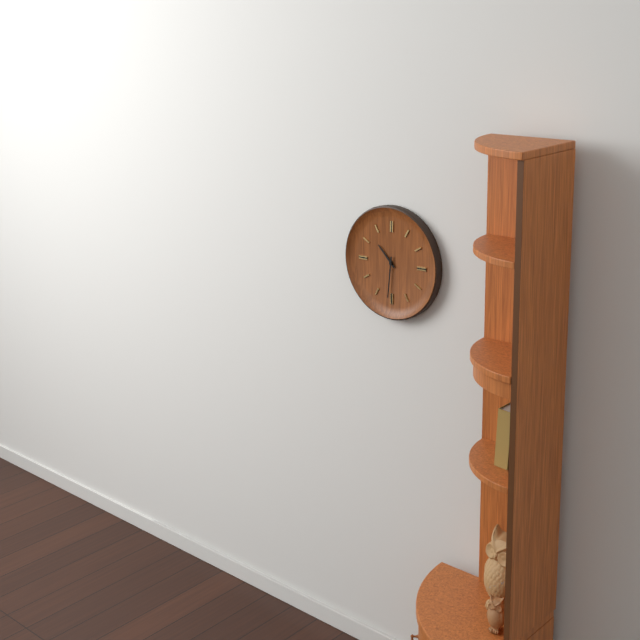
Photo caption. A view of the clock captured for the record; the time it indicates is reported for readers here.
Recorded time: 10:31
